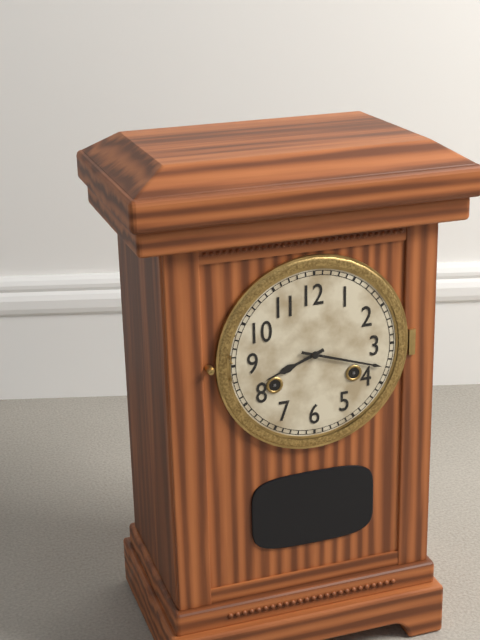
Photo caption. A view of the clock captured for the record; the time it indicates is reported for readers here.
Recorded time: 8:18
